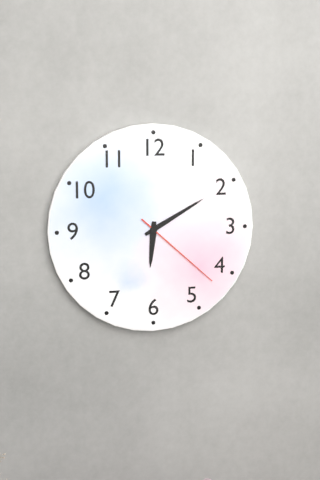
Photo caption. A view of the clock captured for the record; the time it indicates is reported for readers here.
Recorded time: 6:10:22
